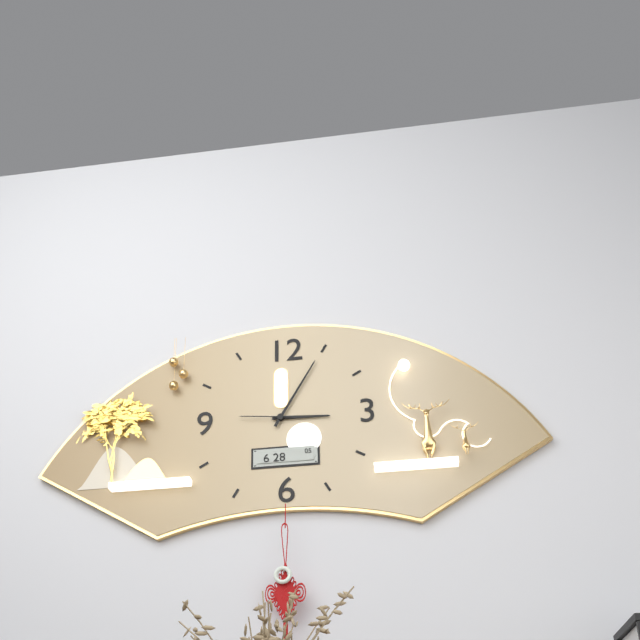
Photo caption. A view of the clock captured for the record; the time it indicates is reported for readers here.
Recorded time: 3:05:46
